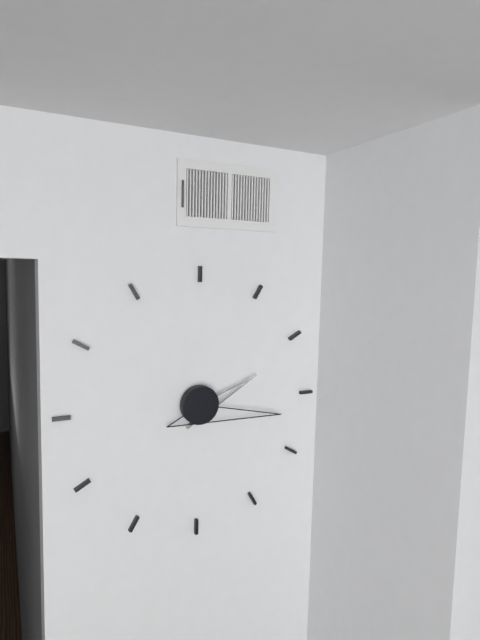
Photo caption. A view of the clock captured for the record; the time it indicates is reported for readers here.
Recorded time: 2:17
